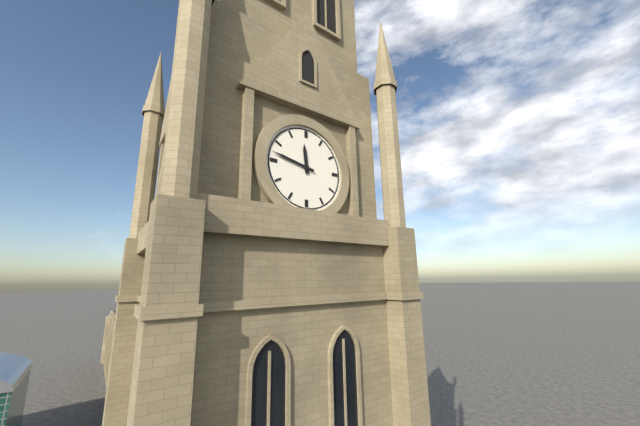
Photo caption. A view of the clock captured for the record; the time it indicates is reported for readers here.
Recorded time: 11:47
